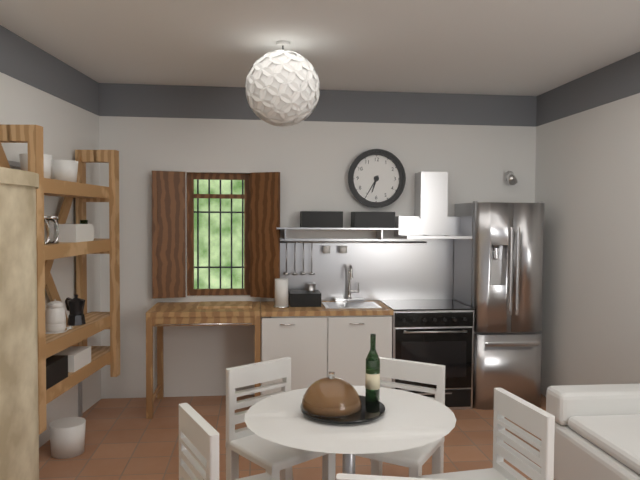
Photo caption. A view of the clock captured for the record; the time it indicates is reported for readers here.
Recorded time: 6:35
